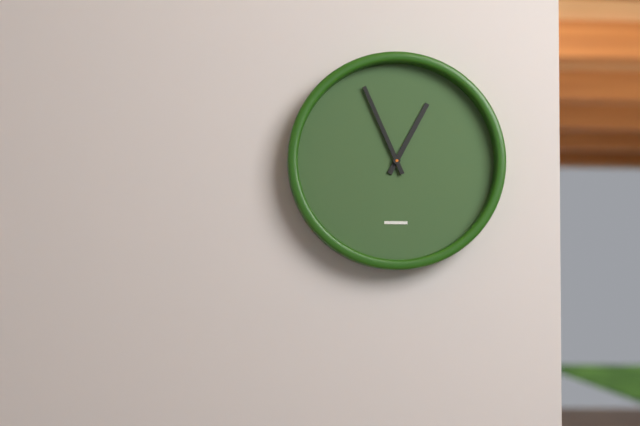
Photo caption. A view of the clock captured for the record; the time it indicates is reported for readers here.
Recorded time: 12:56
